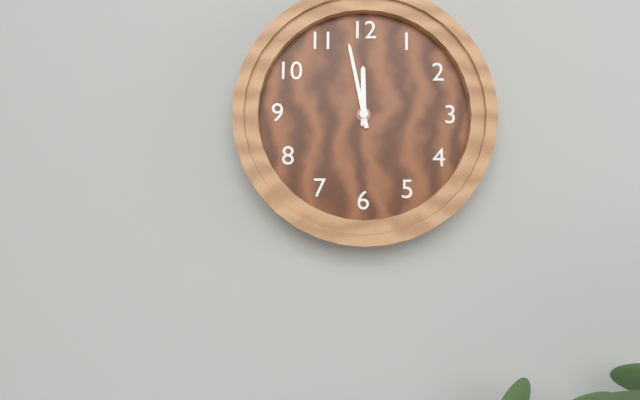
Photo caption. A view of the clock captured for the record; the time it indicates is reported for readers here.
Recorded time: 11:58
